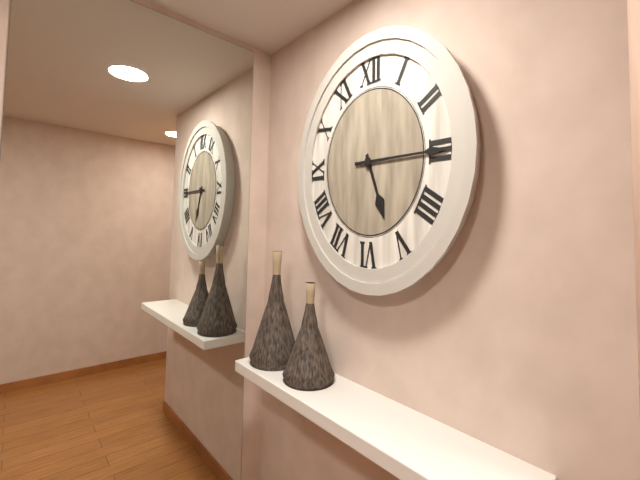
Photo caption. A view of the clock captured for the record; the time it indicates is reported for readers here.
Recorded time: 5:15
